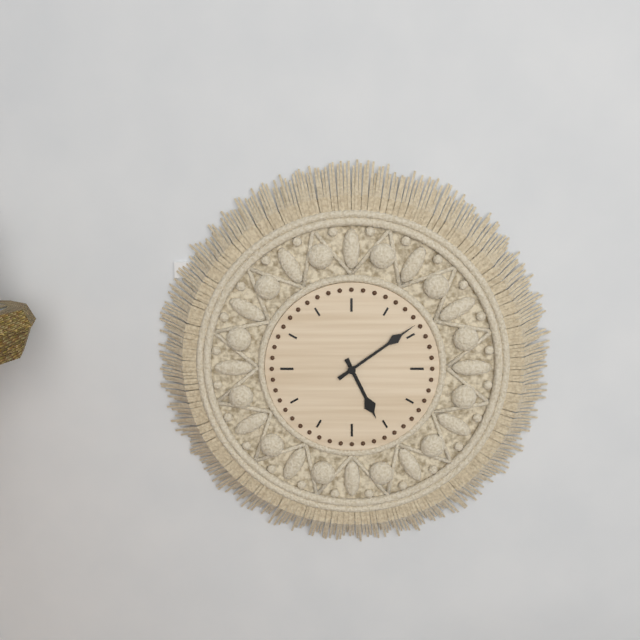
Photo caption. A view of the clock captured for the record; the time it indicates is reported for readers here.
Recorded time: 5:09
